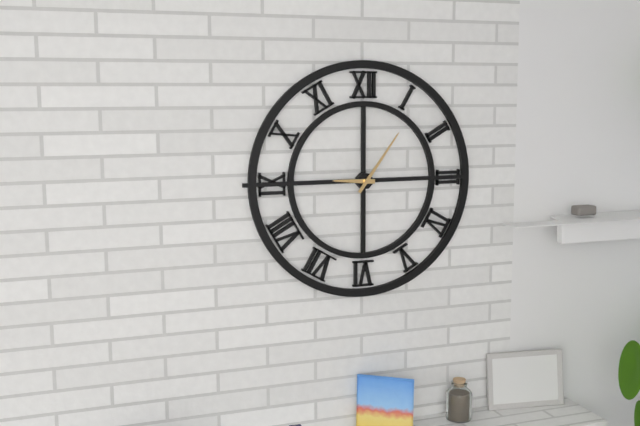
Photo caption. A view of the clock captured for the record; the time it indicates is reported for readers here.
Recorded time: 9:06
